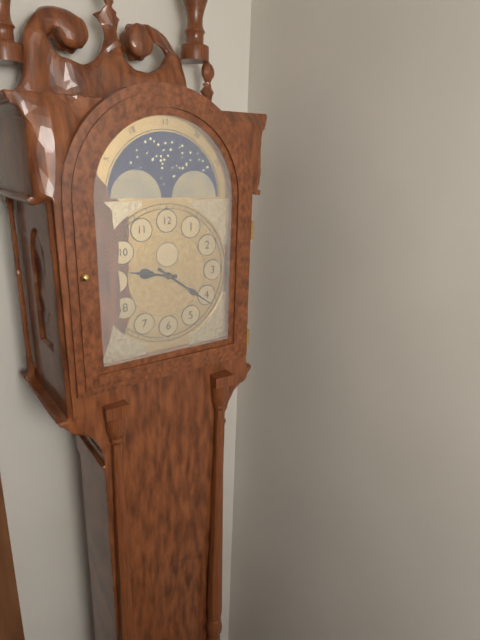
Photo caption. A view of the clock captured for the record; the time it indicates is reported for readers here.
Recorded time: 9:21
